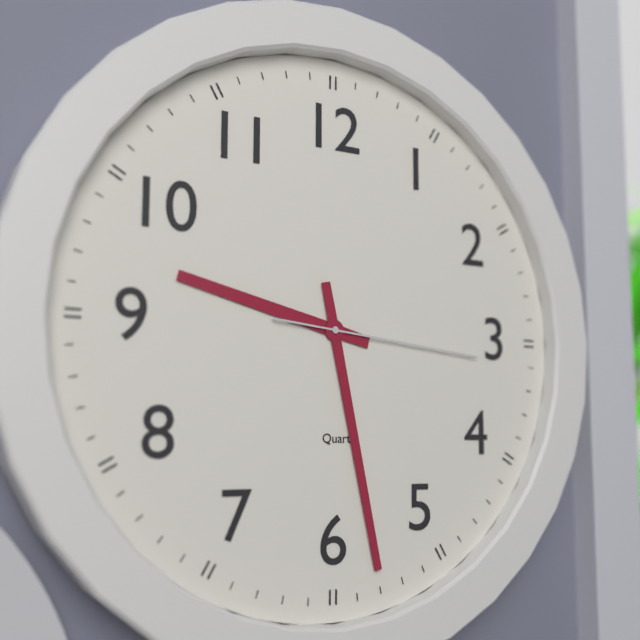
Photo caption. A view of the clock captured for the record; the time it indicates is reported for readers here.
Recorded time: 9:28:16
